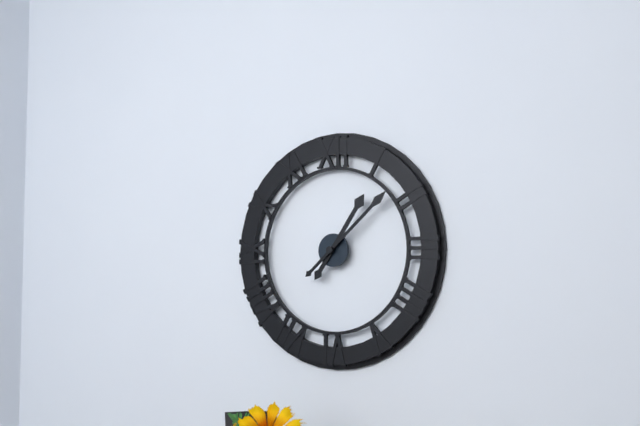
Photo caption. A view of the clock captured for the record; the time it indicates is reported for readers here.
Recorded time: 1:08
